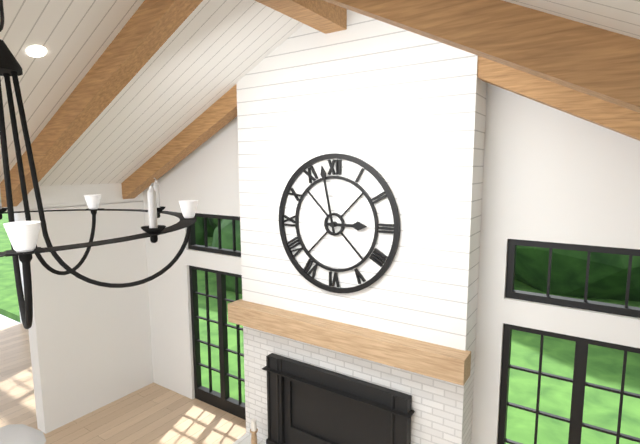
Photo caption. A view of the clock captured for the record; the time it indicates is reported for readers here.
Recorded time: 2:58
